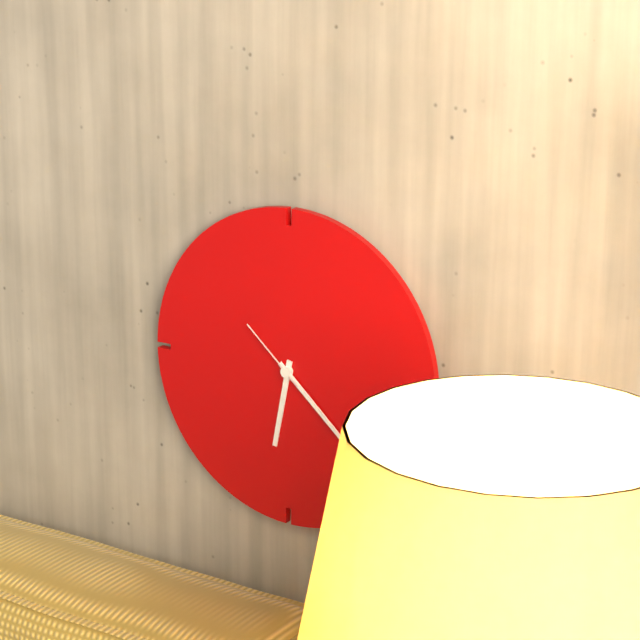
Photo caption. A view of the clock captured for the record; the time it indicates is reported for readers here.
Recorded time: 6:22:52
